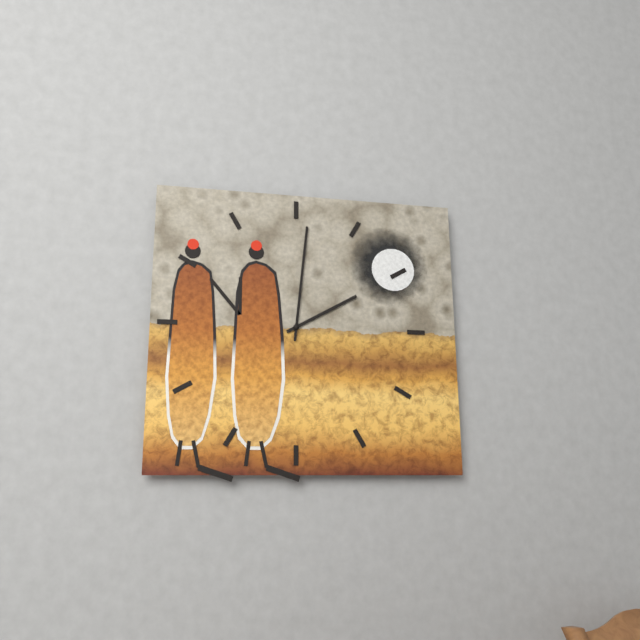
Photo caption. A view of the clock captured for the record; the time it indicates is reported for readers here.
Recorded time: 2:01
